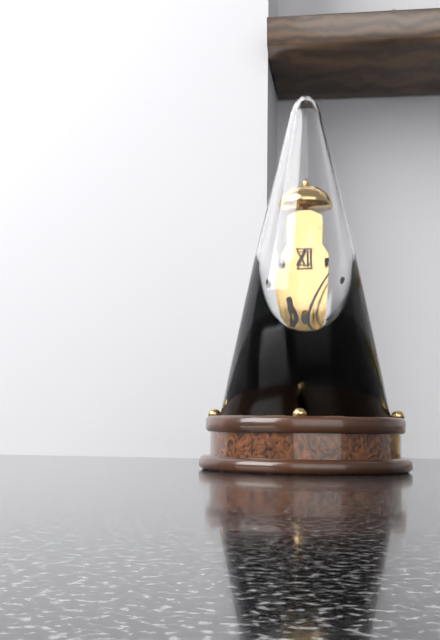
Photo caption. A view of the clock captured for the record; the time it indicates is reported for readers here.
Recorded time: 10:07
